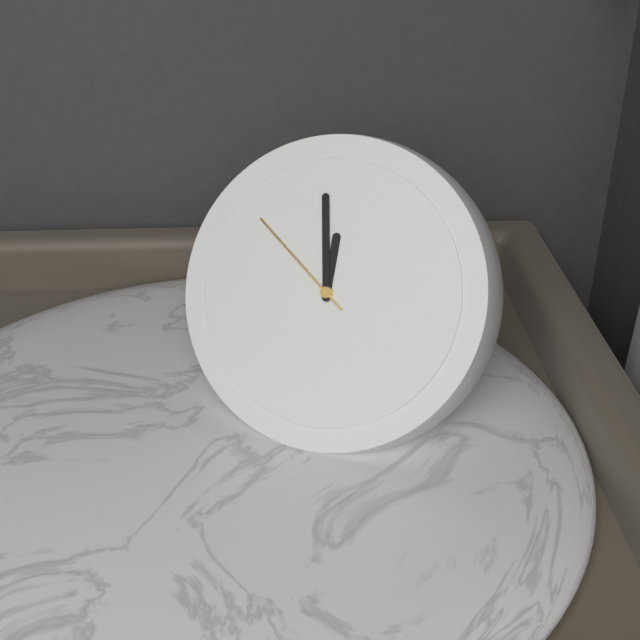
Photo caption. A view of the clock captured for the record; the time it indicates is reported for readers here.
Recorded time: 11:58:51
